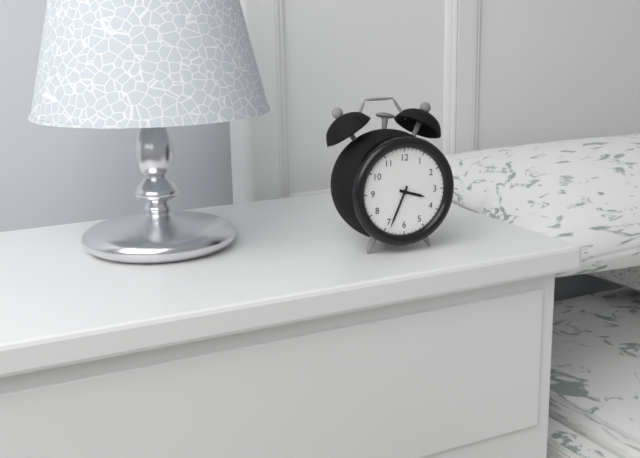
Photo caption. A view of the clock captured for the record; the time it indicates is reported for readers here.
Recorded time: 3:34
